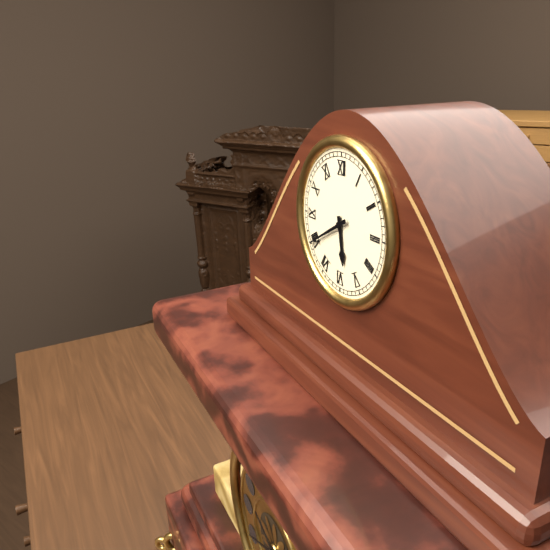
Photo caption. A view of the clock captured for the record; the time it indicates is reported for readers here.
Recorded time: 5:40
